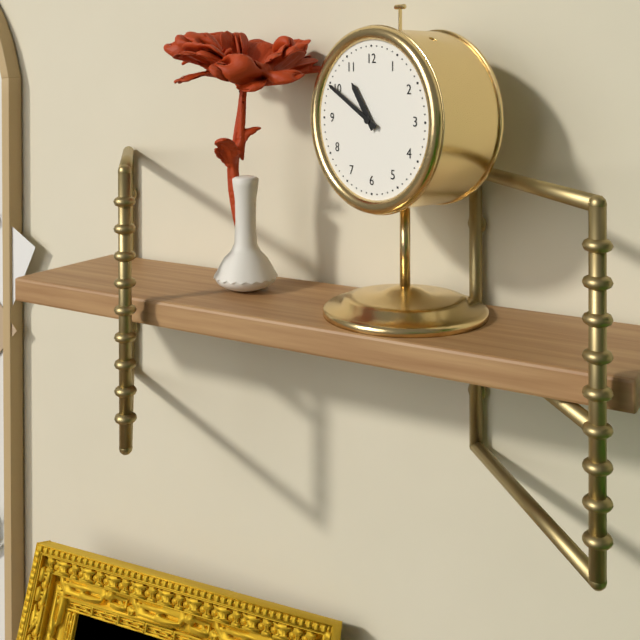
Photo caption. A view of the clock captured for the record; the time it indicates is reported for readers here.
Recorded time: 10:50
